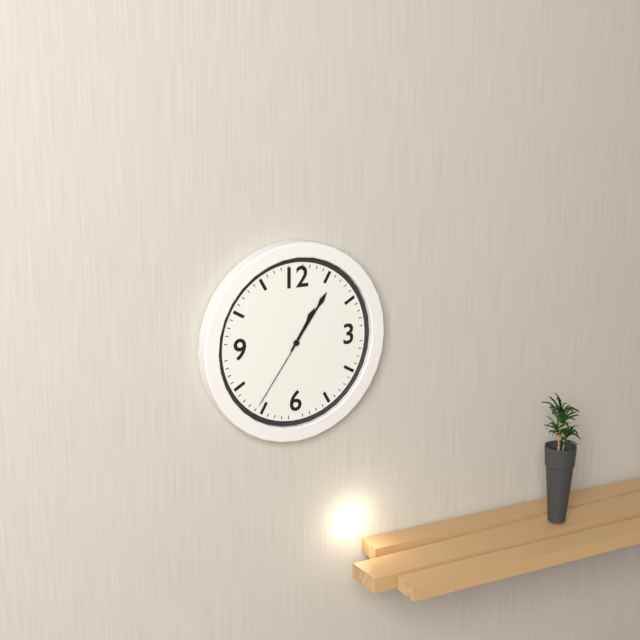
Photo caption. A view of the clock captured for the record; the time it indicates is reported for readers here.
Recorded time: 1:06:36
